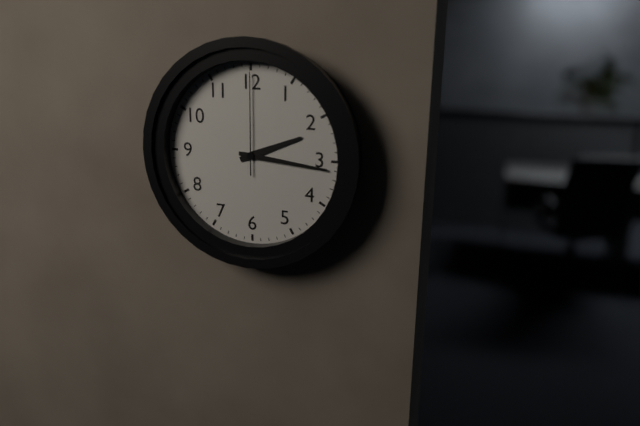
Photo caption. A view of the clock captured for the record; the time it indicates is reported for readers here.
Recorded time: 2:16:00
